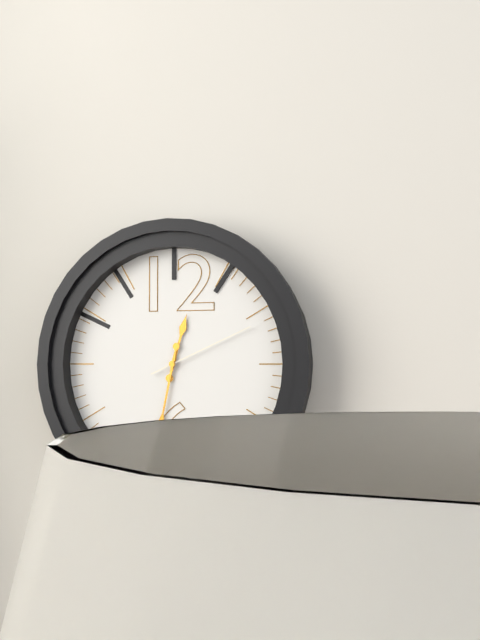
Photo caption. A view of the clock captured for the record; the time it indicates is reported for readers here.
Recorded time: 12:32:11
